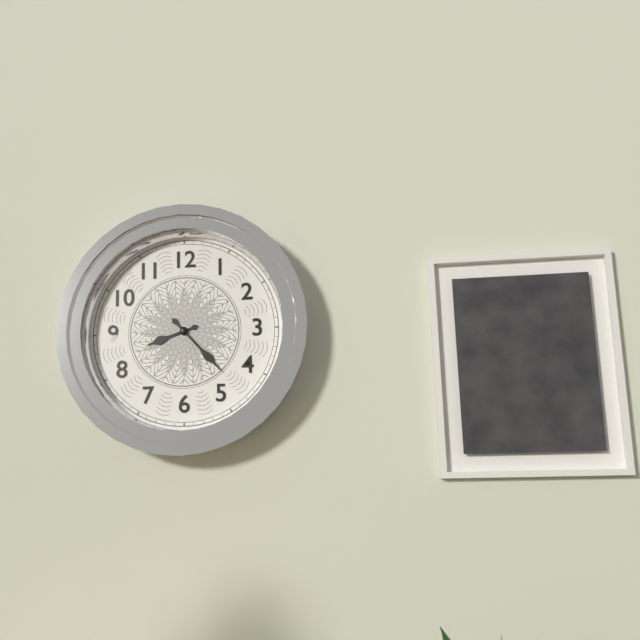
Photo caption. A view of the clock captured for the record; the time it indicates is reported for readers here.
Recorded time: 8:23
